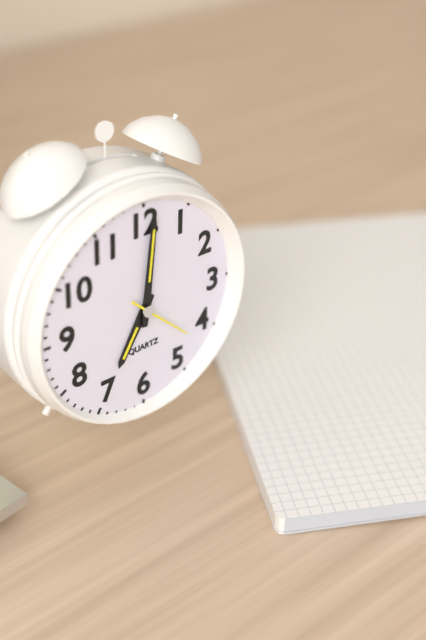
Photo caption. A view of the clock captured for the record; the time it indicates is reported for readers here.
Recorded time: 7:01:22
